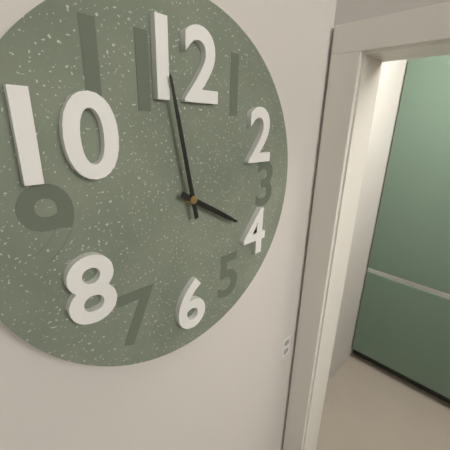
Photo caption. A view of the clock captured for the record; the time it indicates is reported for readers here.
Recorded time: 3:58
